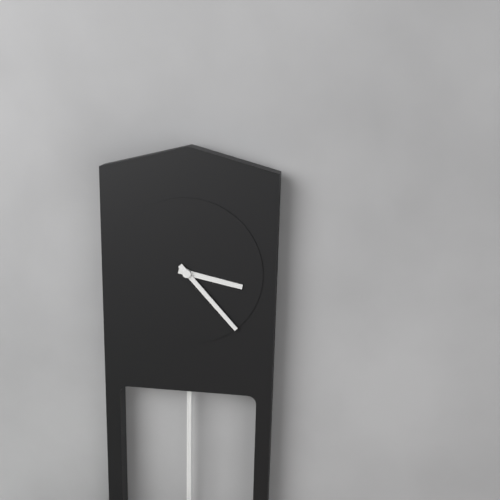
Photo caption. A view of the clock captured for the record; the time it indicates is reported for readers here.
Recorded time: 3:23
